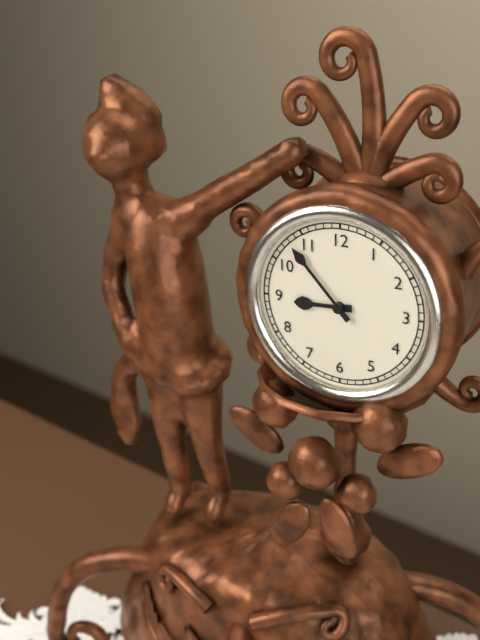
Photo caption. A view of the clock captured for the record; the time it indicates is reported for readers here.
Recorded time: 8:53
